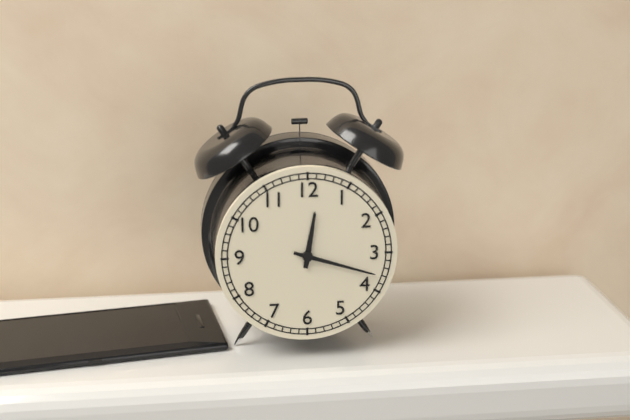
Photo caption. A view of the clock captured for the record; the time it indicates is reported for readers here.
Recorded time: 12:18
